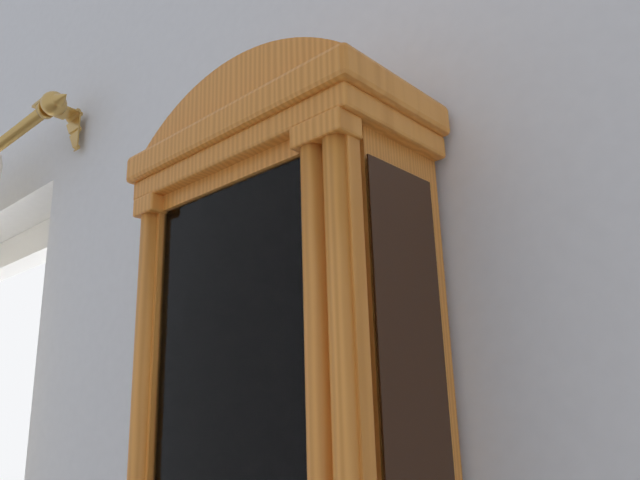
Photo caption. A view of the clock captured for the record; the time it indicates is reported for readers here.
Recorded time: 10:33
